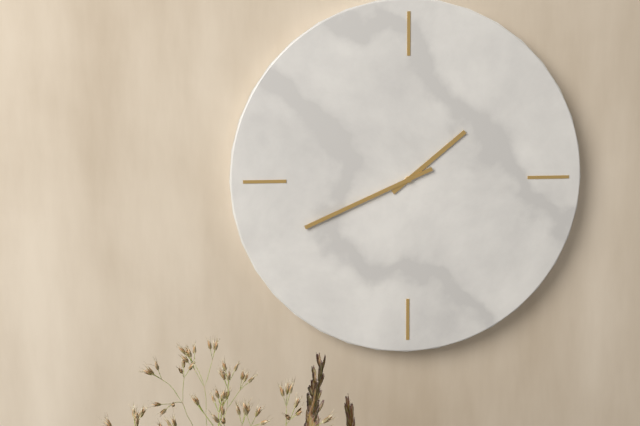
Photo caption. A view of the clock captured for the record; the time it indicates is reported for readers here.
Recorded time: 1:41
